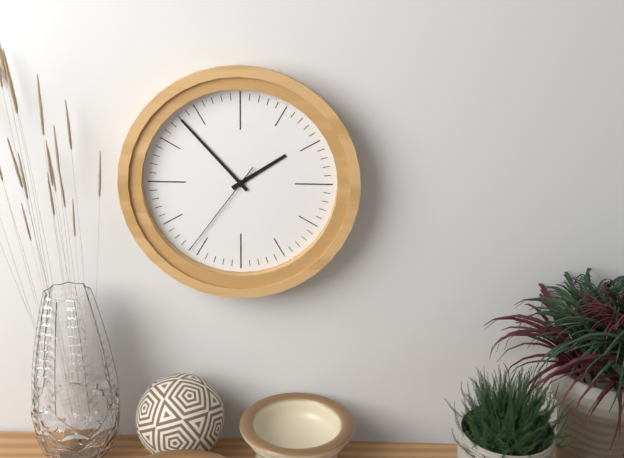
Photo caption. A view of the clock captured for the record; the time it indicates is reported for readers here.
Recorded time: 1:53:36
